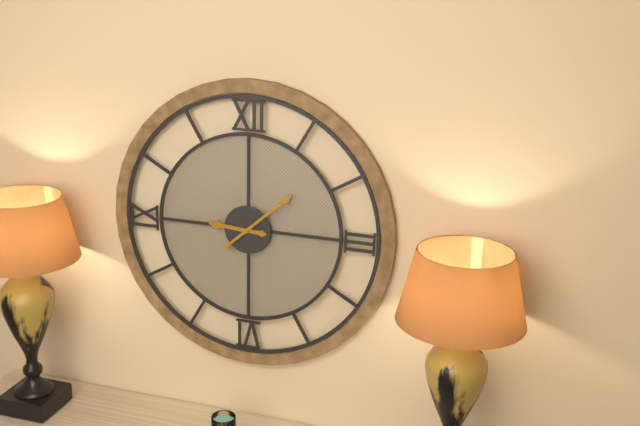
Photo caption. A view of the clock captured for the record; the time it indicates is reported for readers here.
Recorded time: 9:08
